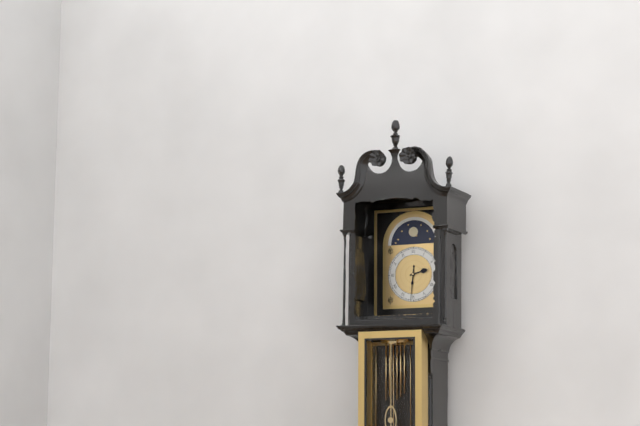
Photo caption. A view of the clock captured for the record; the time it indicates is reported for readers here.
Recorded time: 2:31
